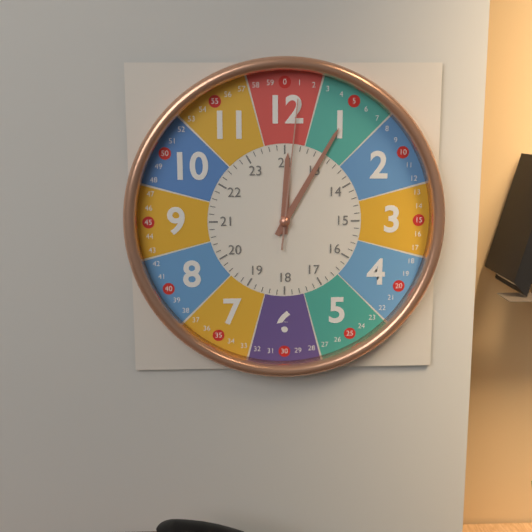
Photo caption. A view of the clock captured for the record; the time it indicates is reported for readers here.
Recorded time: 12:05:01
